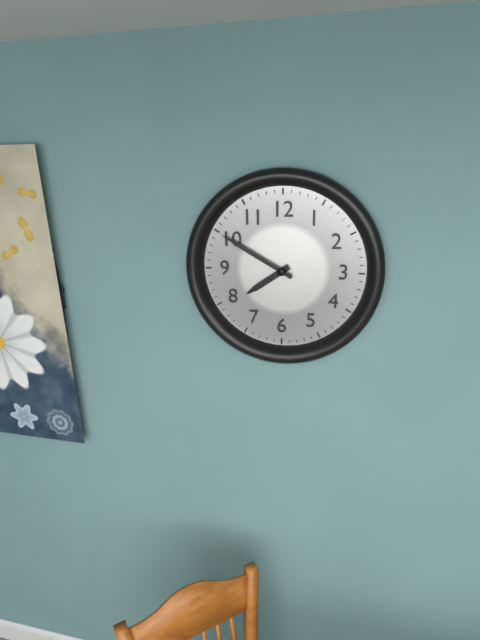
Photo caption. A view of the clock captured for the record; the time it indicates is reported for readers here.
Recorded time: 7:50
